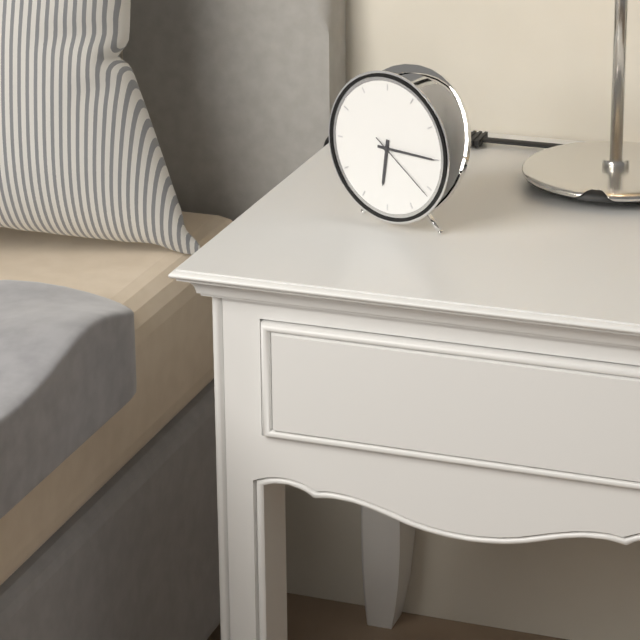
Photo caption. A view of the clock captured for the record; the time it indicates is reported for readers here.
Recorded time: 6:15:21
